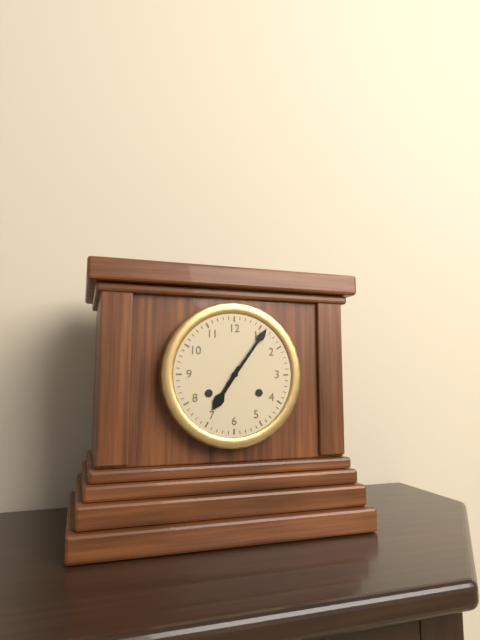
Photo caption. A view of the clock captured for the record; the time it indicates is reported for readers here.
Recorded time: 7:06
